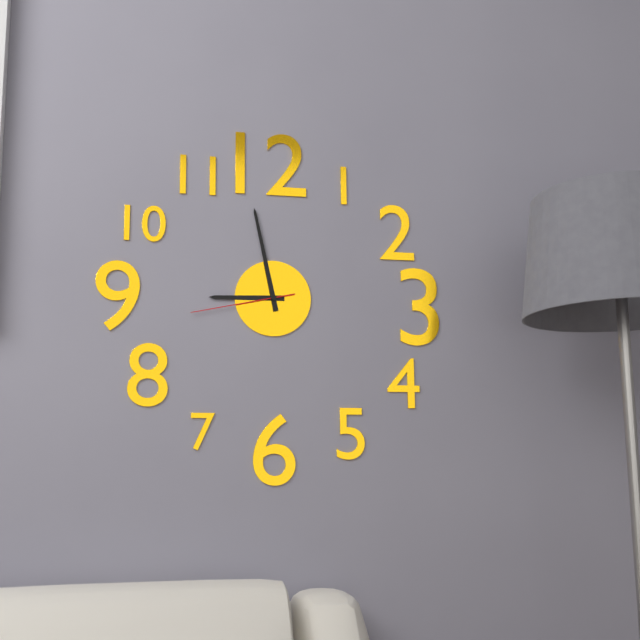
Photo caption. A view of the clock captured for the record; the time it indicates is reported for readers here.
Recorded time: 8:58:43
